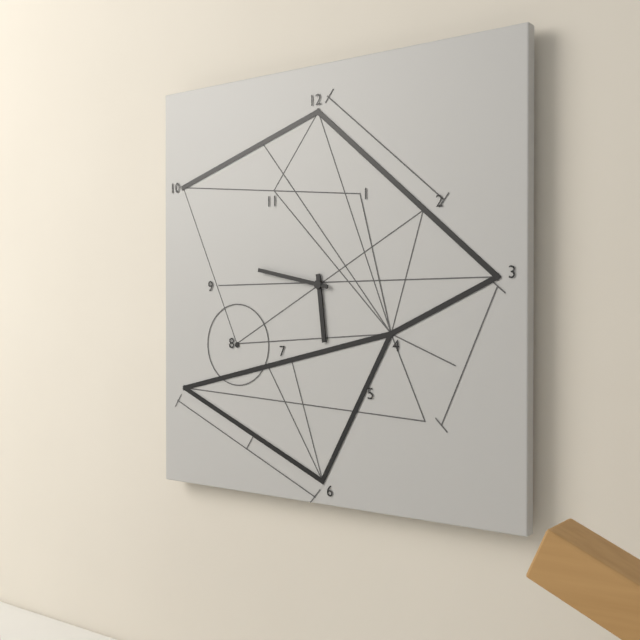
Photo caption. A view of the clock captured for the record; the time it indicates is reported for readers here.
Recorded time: 5:47
